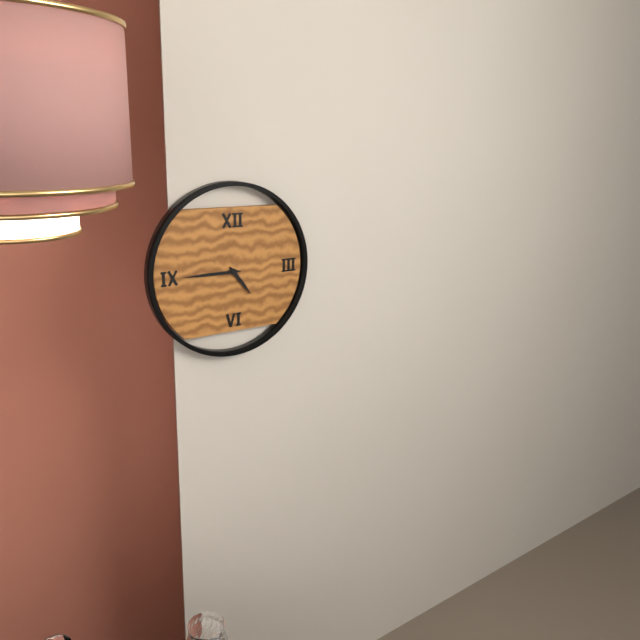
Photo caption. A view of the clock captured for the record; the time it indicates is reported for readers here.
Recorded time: 4:45
